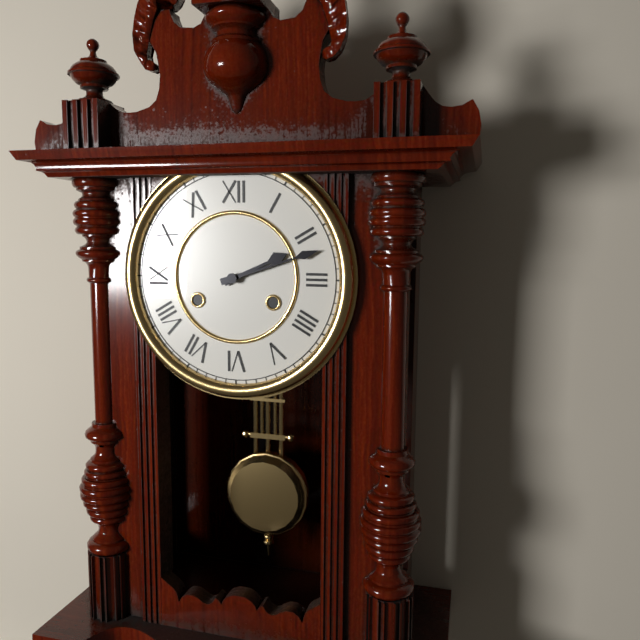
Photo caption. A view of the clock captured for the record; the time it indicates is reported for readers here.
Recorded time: 2:12
